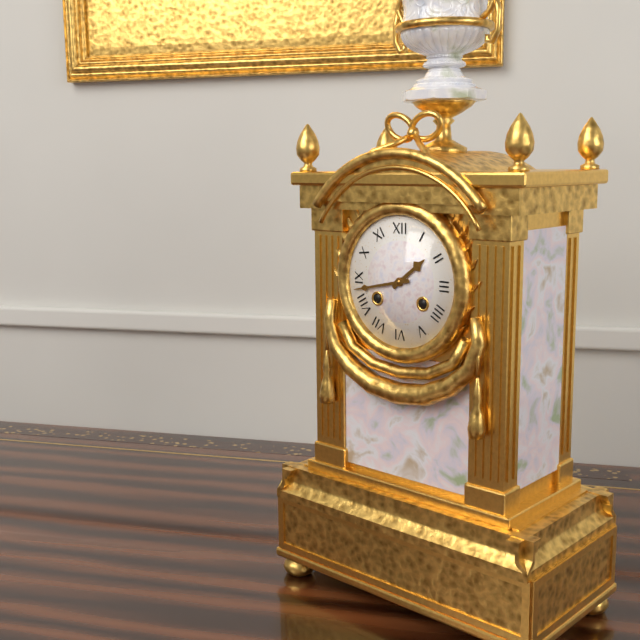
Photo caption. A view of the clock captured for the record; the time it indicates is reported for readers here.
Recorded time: 1:43
